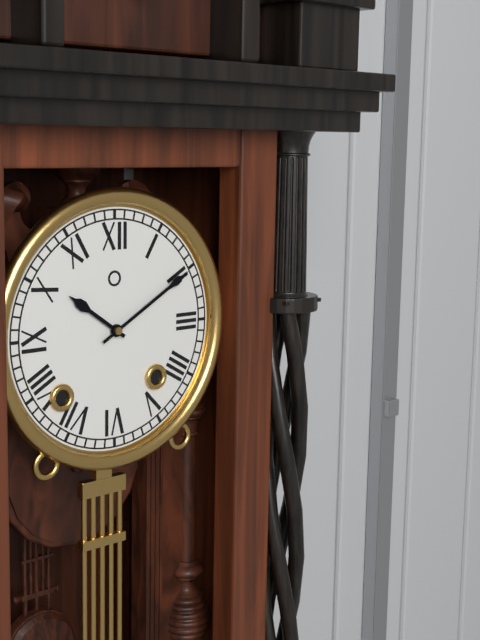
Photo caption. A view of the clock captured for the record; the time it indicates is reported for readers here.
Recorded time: 10:10
